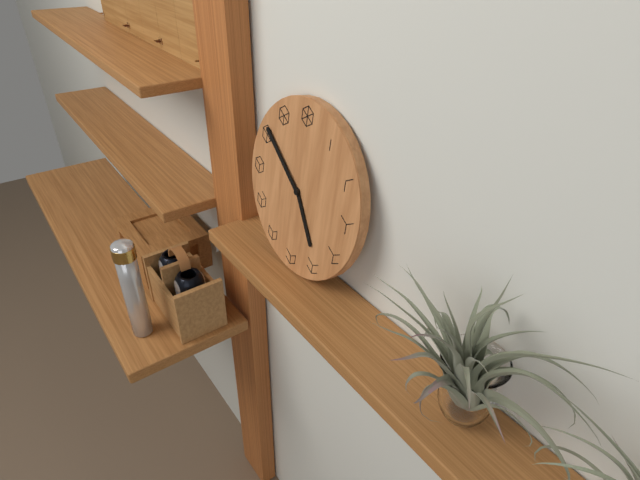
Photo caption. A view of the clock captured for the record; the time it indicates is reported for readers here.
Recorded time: 4:51
